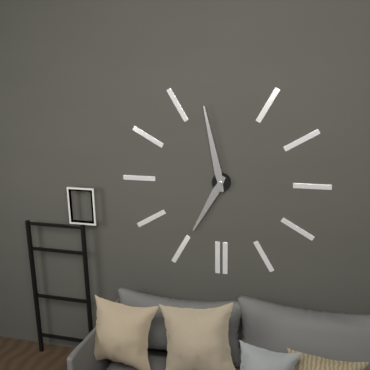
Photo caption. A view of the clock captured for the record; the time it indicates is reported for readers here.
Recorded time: 6:58
